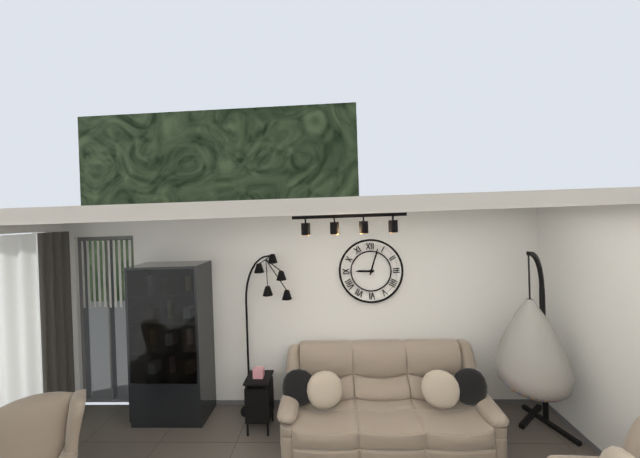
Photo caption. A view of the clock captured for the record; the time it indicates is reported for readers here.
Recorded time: 9:03
